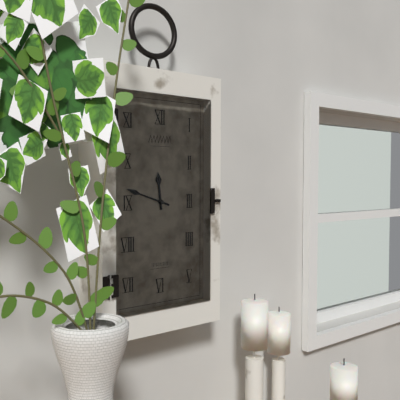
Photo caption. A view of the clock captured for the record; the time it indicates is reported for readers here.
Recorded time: 11:48
